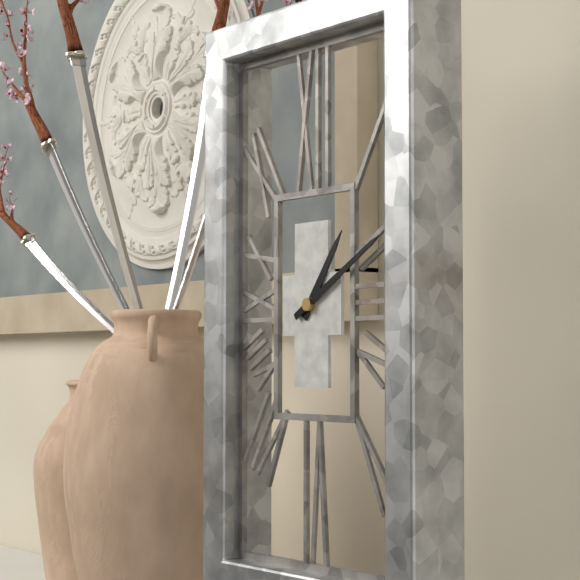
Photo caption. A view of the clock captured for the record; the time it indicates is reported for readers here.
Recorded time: 1:10
